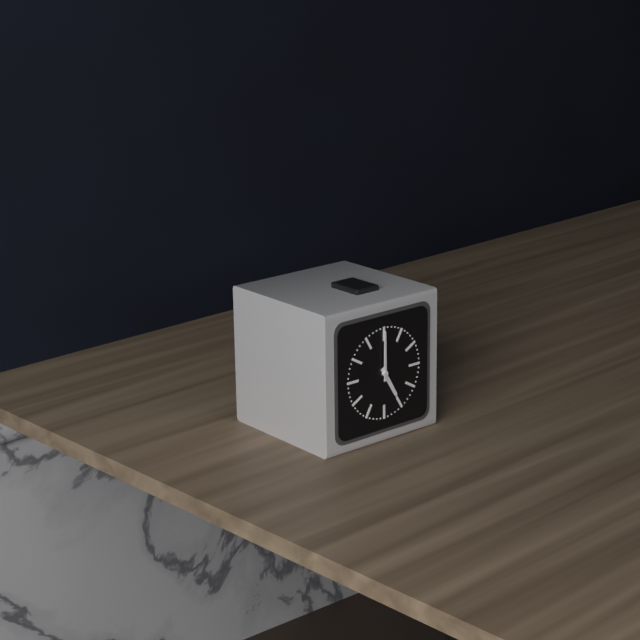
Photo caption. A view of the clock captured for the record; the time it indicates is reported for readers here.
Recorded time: 5:00
